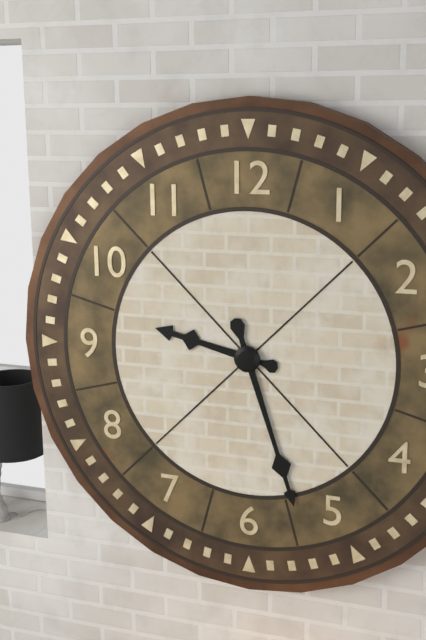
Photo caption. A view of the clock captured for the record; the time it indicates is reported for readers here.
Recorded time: 9:27
